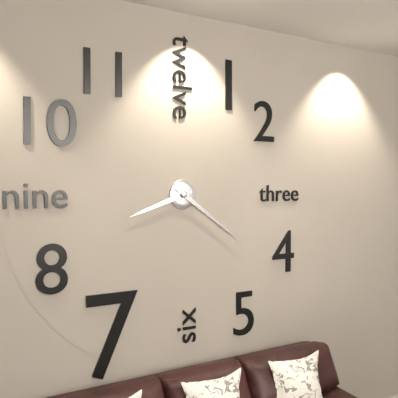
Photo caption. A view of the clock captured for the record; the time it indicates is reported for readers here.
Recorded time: 8:21
